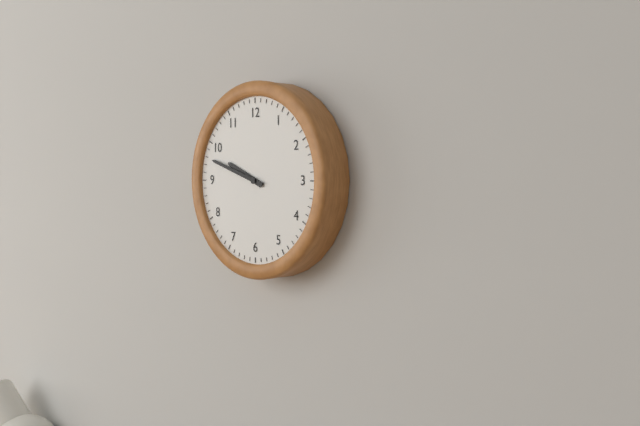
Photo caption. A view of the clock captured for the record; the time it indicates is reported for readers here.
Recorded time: 9:48
